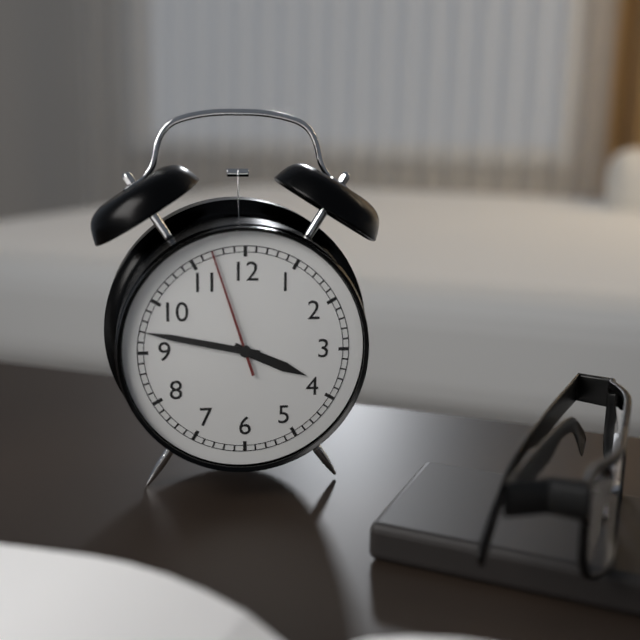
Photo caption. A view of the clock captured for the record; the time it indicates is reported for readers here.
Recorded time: 3:47:57
